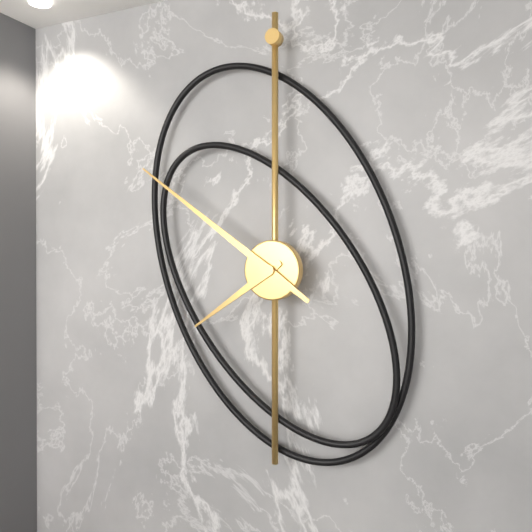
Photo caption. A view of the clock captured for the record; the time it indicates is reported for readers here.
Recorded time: 7:51
